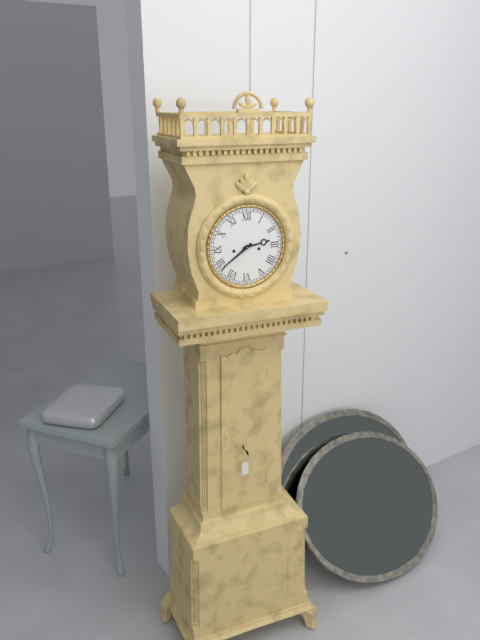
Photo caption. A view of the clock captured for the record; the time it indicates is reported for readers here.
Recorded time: 2:39
